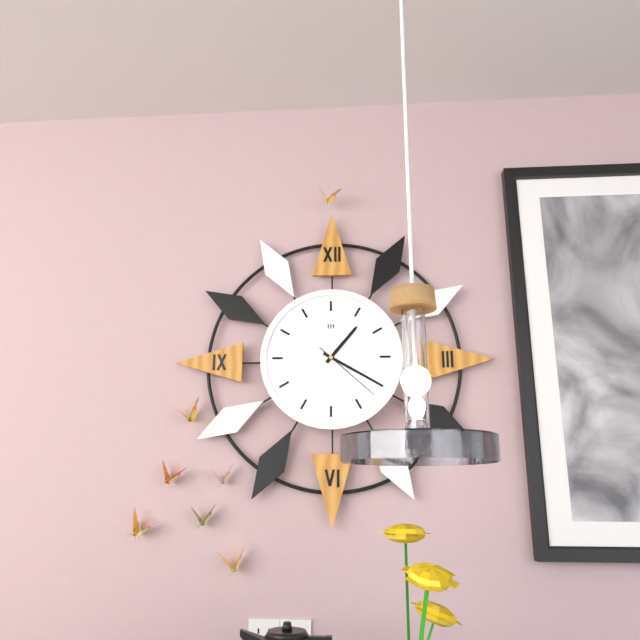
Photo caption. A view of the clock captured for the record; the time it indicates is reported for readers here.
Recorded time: 1:20:22
